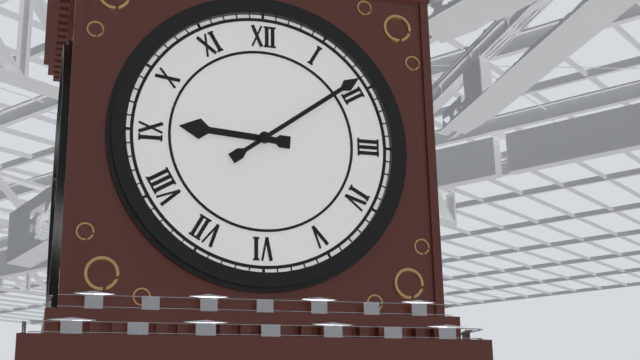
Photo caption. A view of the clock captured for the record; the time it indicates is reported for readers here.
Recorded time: 9:09
